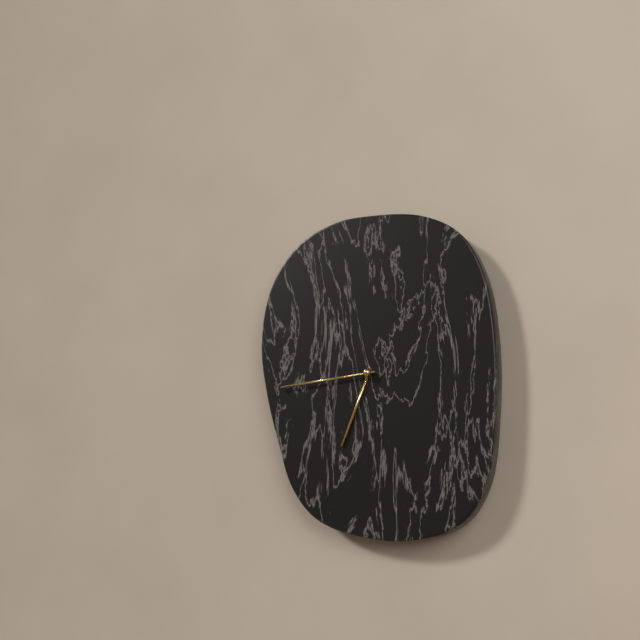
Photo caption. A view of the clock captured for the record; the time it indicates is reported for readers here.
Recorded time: 6:44
